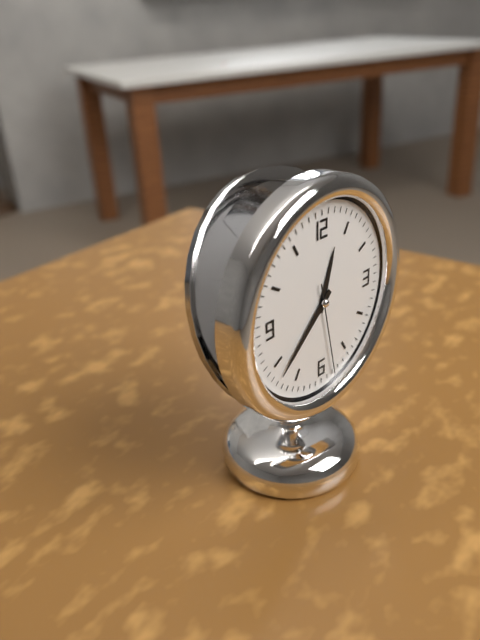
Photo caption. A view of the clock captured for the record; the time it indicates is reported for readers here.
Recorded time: 12:38:28
